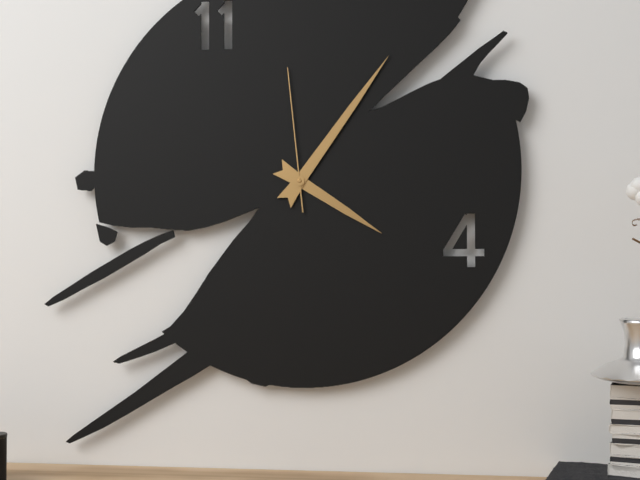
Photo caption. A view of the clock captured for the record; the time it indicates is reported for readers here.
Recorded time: 4:06:59
